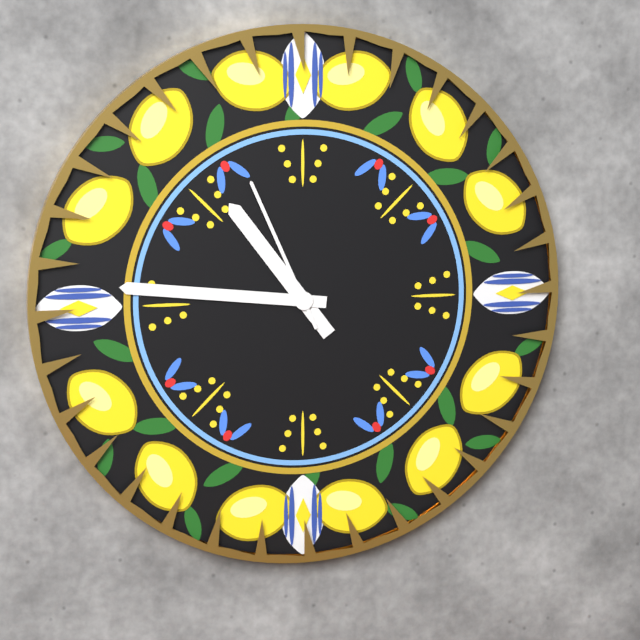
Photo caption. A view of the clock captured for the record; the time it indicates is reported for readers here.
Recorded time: 10:46:56
